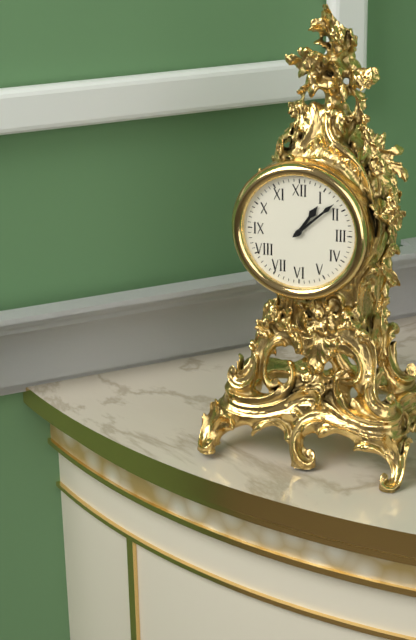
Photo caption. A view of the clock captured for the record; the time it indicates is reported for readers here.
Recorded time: 1:08
